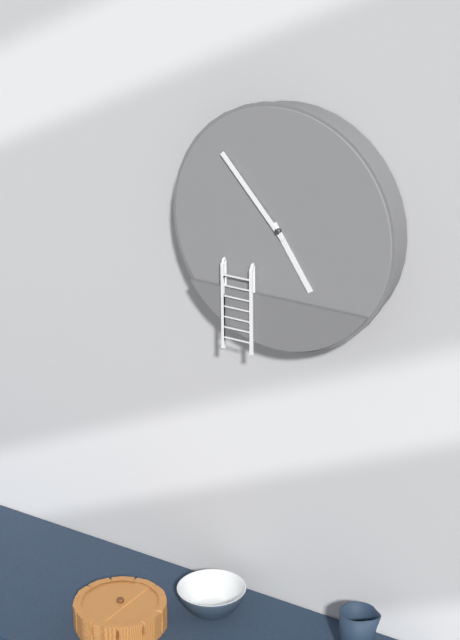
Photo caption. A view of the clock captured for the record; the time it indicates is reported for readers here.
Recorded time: 4:53
